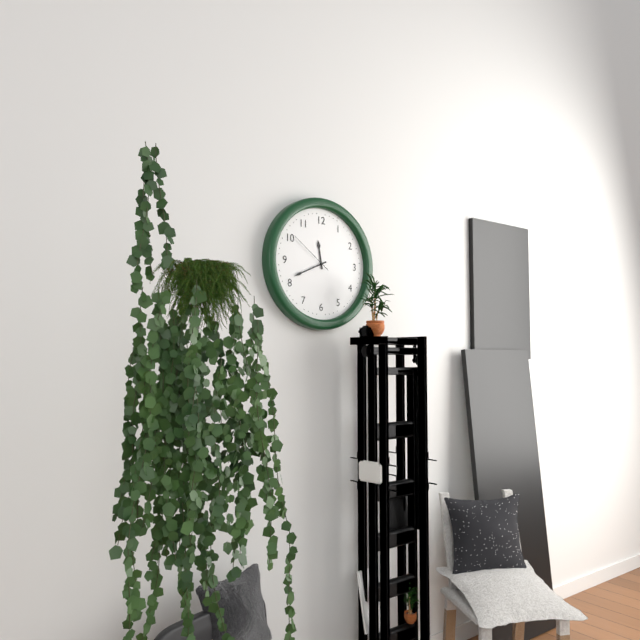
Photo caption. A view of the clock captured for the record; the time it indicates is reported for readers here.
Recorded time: 11:41
